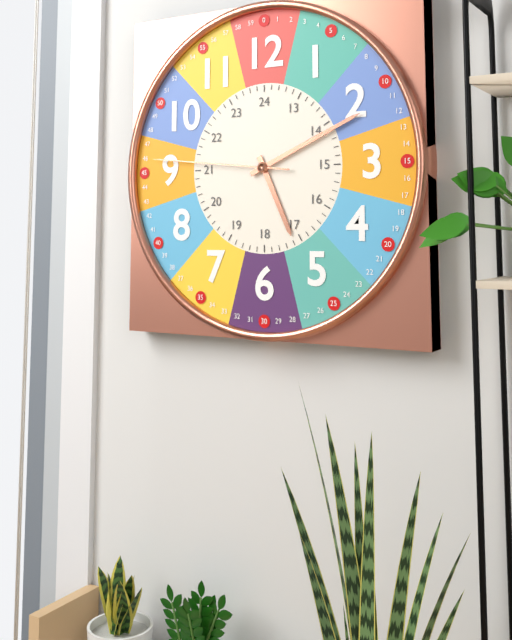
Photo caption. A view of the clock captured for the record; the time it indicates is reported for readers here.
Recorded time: 5:11:46
